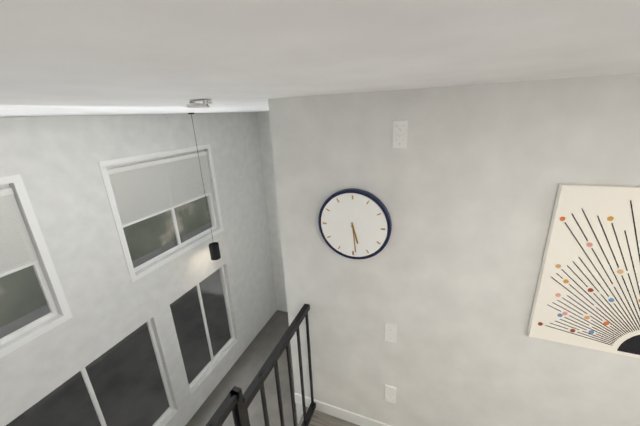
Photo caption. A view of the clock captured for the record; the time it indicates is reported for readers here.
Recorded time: 5:29
